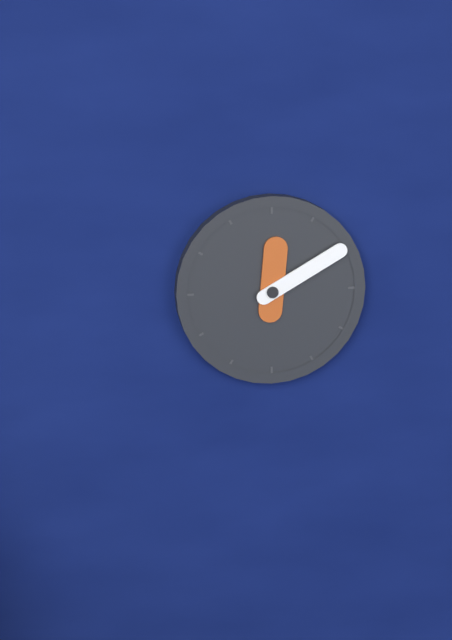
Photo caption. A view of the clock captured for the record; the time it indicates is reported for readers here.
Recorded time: 12:10
